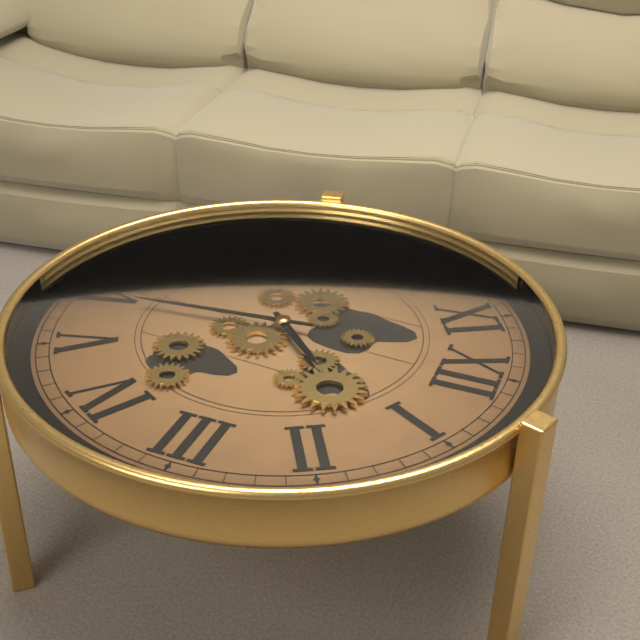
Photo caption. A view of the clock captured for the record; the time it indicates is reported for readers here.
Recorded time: 1:29
